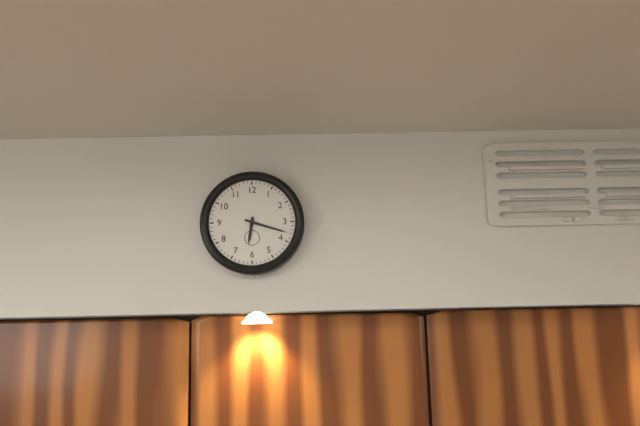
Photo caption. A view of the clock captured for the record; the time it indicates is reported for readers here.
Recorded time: 6:18
